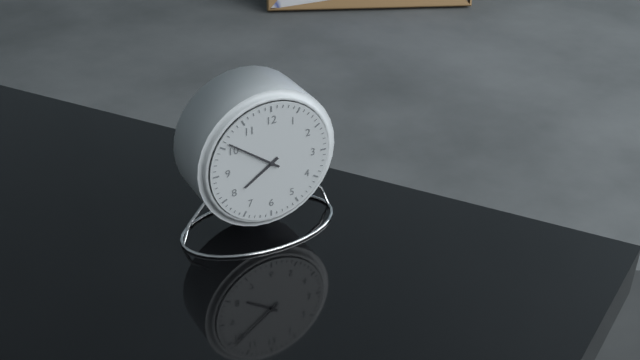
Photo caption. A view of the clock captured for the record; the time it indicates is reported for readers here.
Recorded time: 7:51
